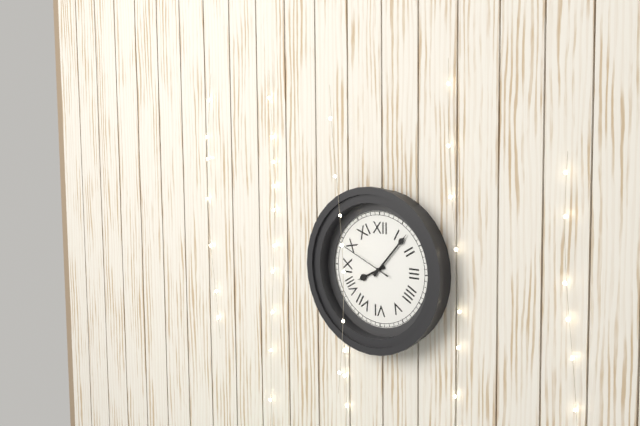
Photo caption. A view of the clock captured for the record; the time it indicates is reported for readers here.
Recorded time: 8:07:49
